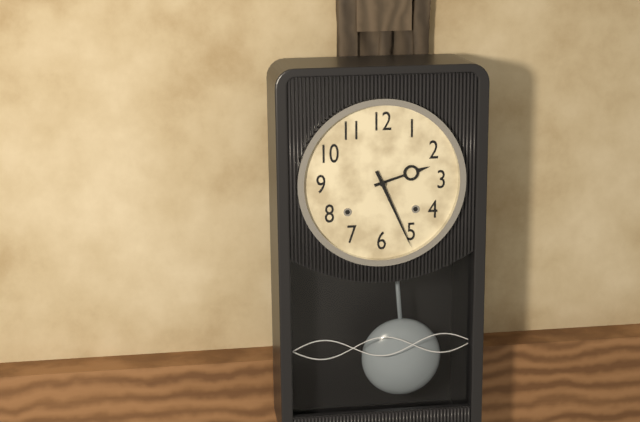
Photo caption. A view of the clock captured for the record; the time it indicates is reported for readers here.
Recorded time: 2:26
